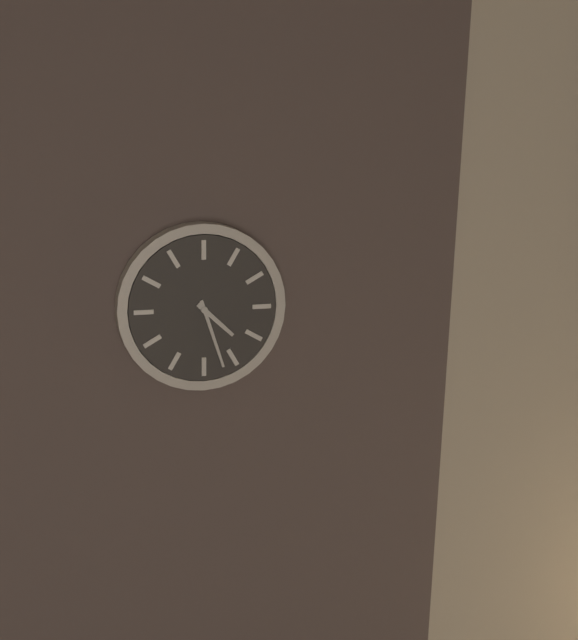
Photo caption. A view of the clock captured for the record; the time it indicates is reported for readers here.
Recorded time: 4:27
